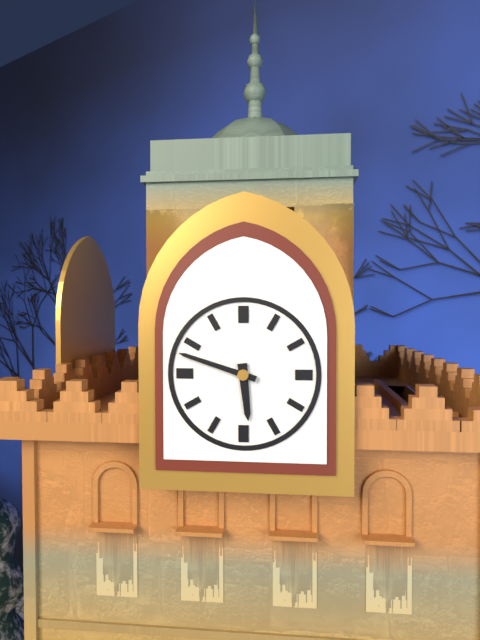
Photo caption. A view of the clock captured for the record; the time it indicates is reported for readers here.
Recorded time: 5:48
